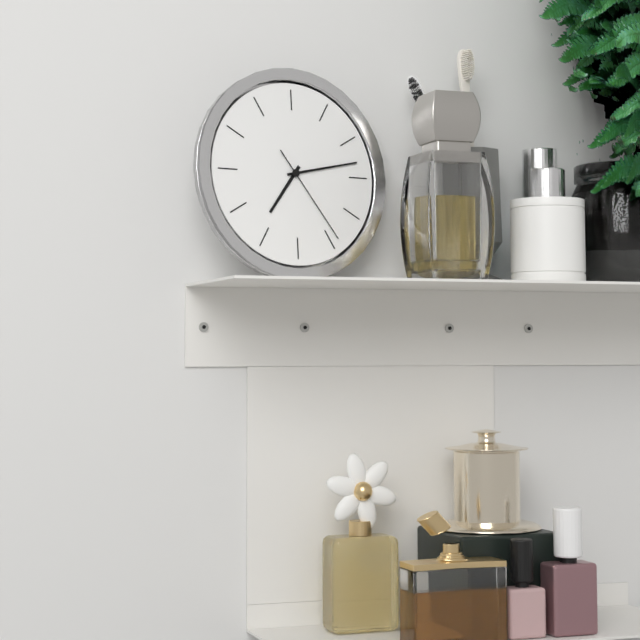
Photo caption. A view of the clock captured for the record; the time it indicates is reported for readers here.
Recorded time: 7:13:24
